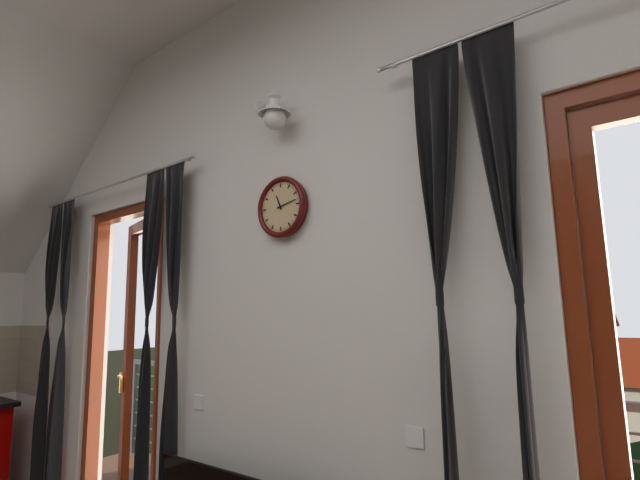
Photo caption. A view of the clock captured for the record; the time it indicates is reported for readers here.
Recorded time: 11:13
